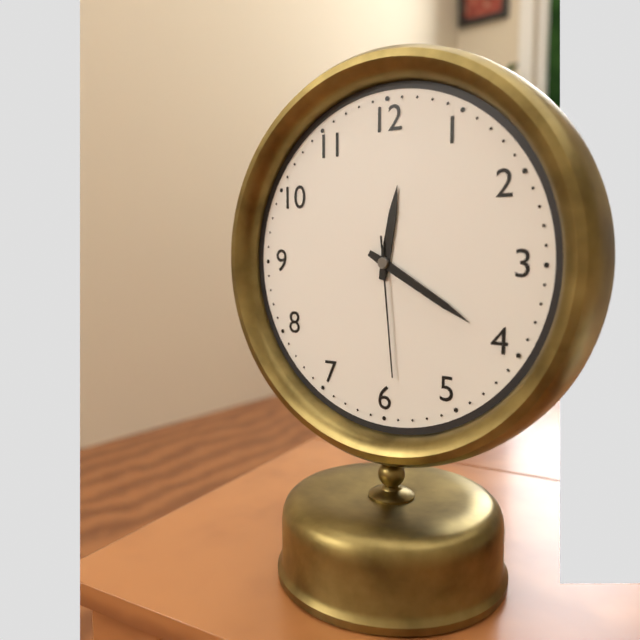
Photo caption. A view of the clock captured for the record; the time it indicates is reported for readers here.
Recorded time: 12:20:29
